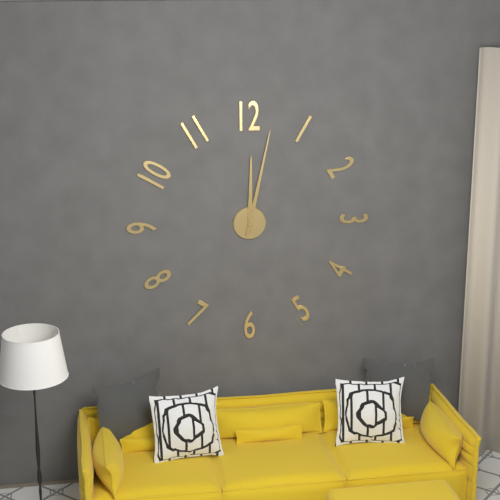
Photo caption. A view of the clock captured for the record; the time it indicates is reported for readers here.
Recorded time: 12:02
